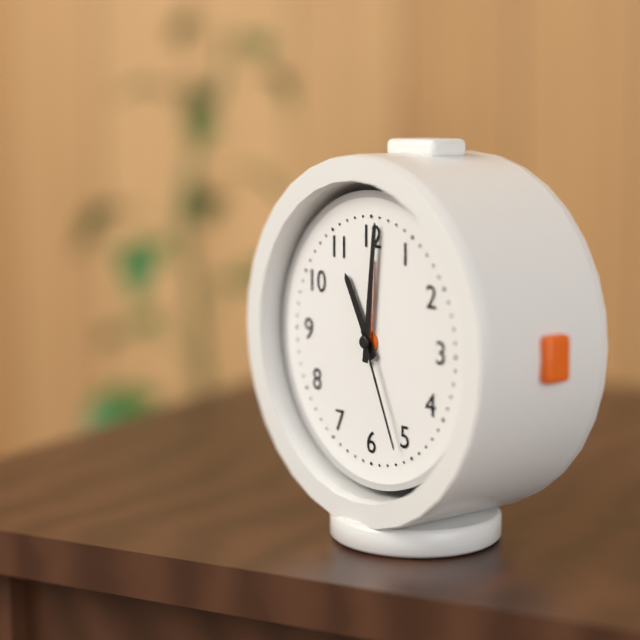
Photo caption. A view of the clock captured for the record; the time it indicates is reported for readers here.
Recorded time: 11:01:26
